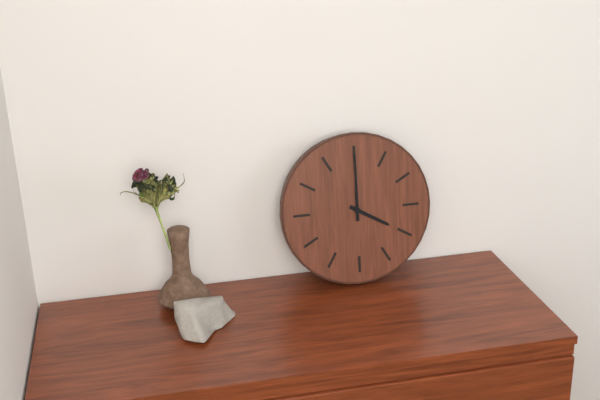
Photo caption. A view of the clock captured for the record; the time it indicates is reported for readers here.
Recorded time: 4:00
